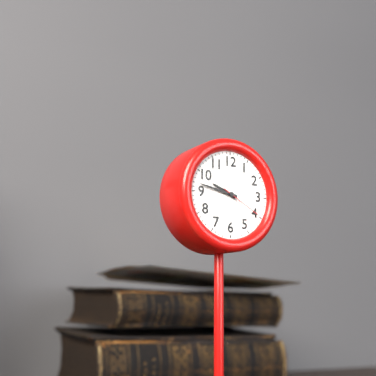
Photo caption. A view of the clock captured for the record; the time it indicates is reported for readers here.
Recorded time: 9:47:20
